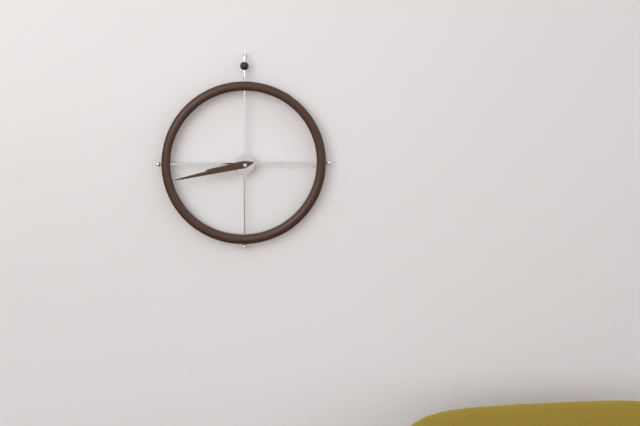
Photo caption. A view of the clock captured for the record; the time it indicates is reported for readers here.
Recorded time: 8:43
